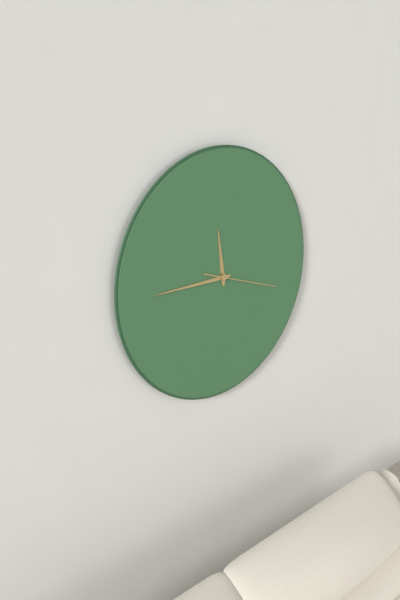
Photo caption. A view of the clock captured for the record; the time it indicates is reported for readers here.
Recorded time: 11:45:18
